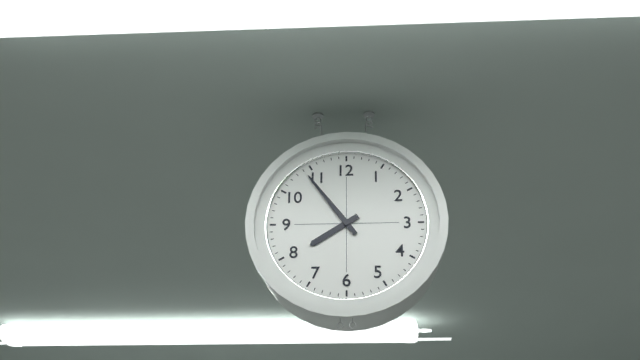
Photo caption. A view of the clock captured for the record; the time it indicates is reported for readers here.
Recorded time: 7:54
